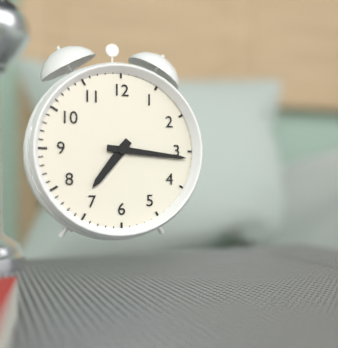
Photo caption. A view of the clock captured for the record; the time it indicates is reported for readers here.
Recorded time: 7:16
